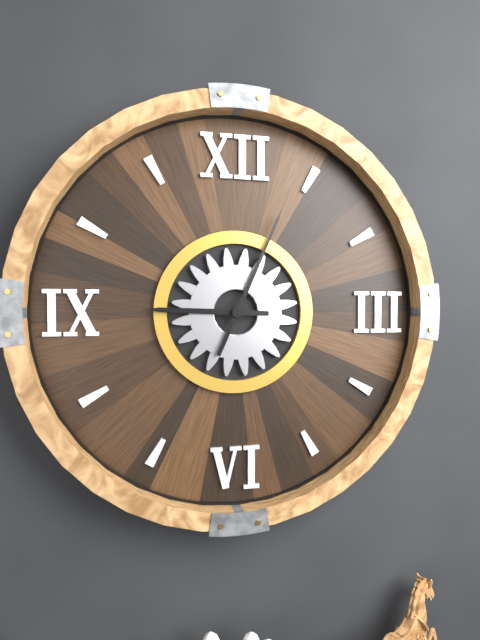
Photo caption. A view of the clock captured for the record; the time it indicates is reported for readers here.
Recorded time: 9:04
